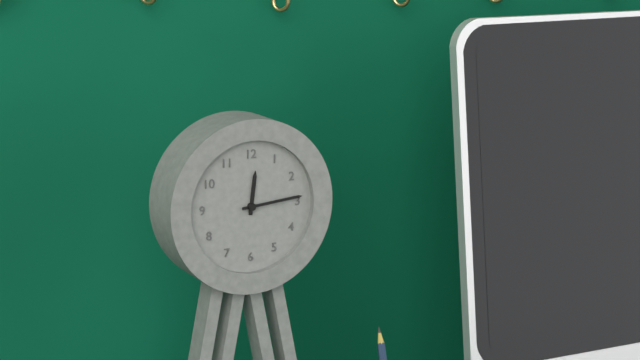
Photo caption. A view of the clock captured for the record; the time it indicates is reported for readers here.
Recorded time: 12:14
